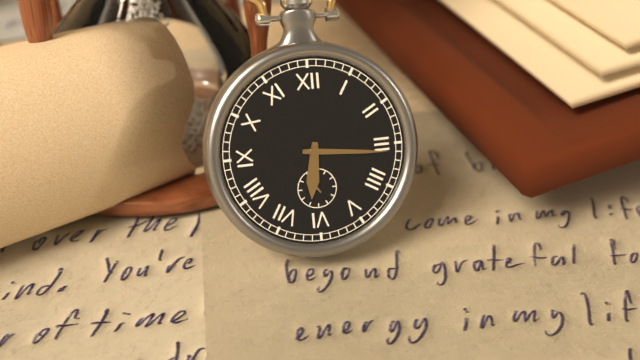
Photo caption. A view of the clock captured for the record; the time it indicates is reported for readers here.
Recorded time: 6:16
